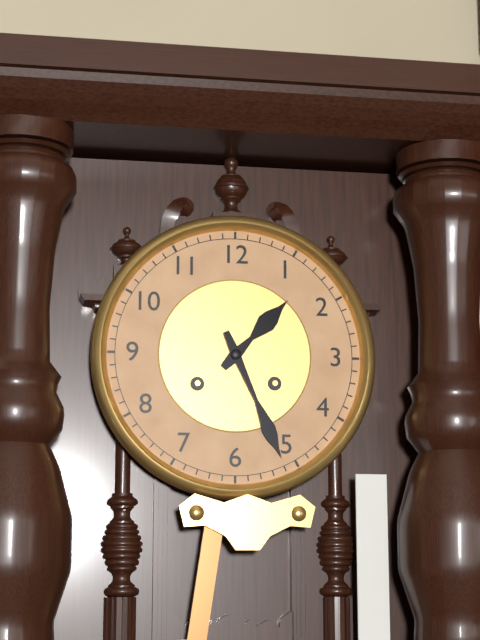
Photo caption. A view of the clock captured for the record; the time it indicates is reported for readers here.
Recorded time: 1:26
